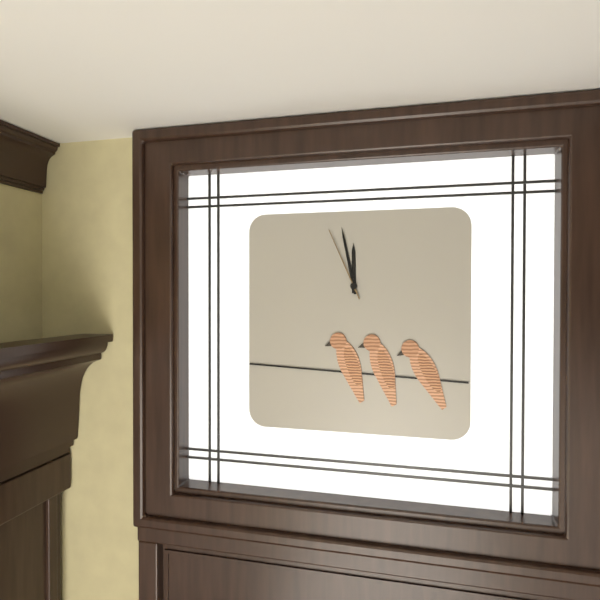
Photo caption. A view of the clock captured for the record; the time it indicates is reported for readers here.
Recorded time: 11:58:56
